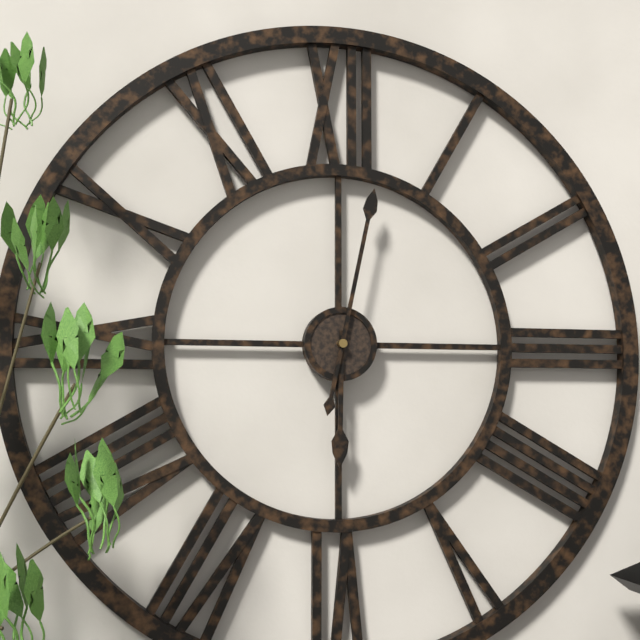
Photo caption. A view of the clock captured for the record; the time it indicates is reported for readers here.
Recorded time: 6:02
